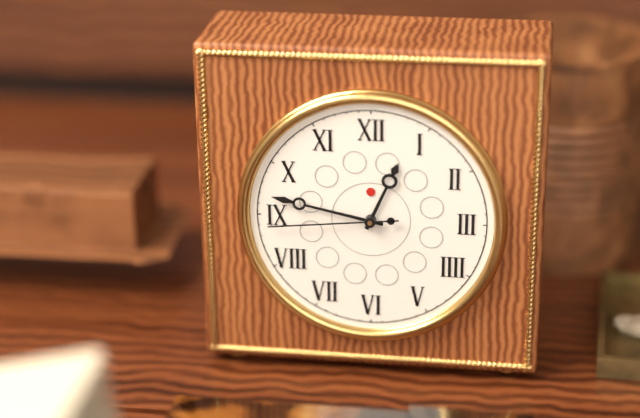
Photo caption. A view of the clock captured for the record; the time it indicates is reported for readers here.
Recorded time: 12:47:44
